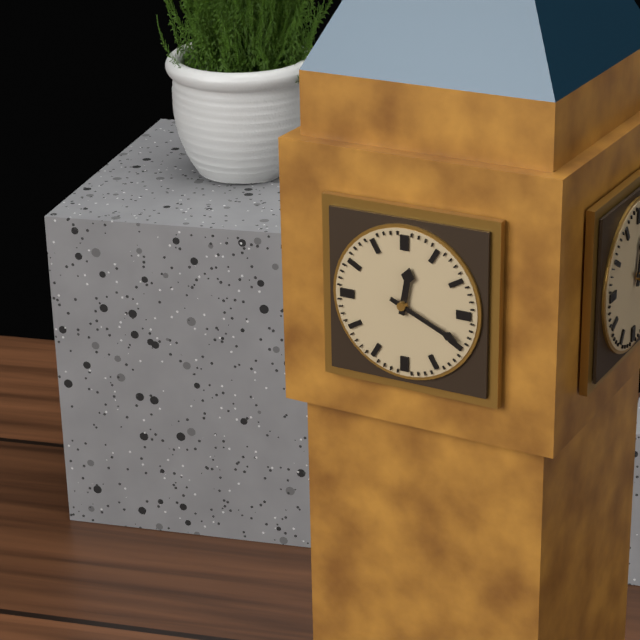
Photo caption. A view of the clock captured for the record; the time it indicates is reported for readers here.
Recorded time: 12:19
